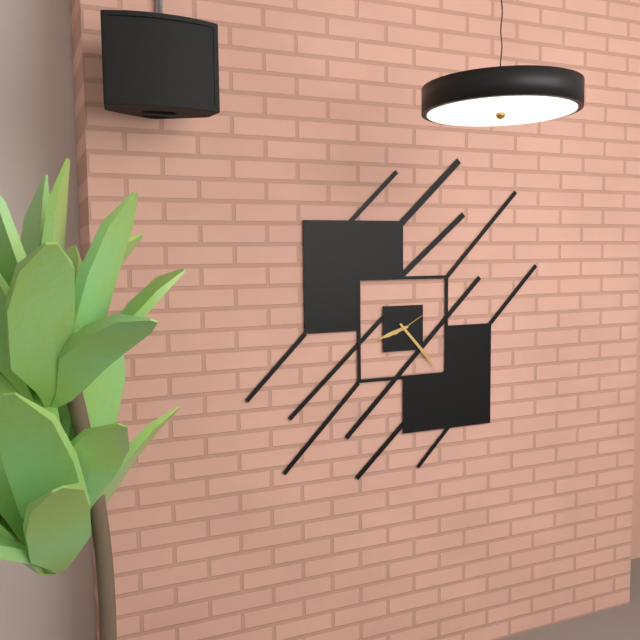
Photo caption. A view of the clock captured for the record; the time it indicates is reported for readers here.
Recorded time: 8:23
